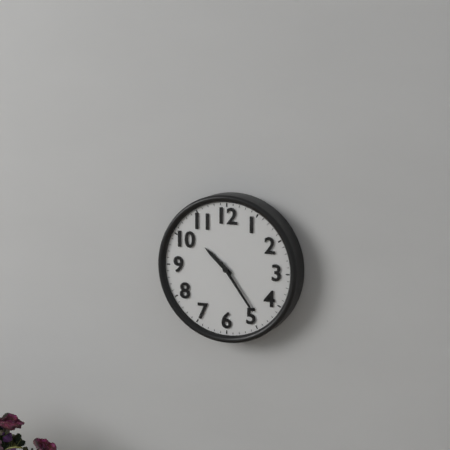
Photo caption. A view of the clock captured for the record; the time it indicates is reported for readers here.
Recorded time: 10:24
